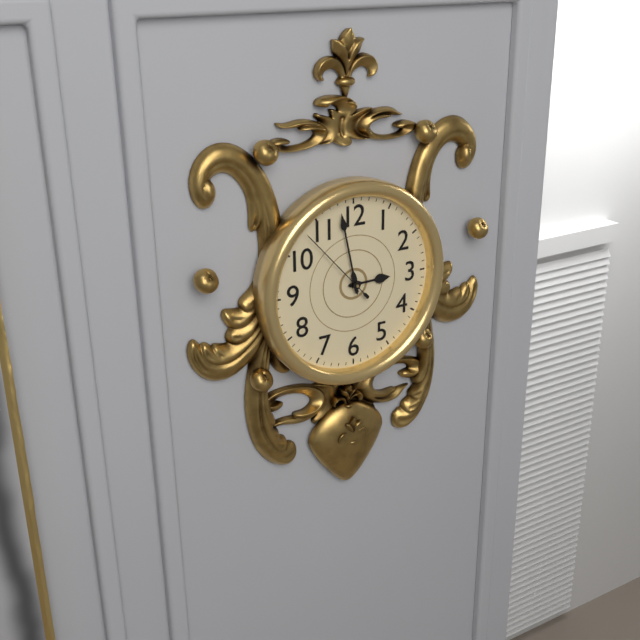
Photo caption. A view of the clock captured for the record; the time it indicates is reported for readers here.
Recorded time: 2:58:53
